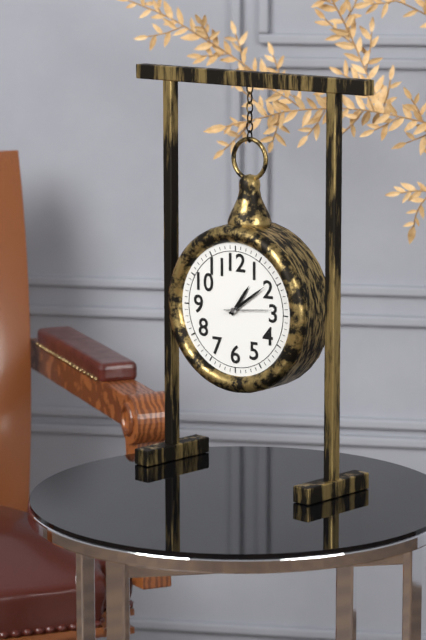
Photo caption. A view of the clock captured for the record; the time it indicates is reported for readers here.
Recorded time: 1:09:14
